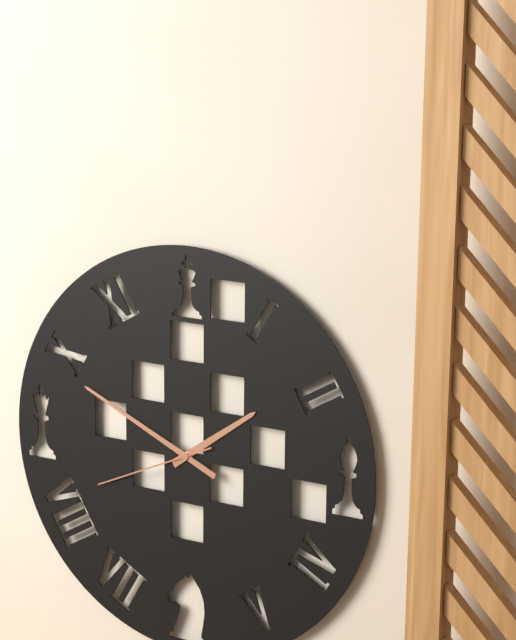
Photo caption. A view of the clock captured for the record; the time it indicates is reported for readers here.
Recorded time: 1:49:41
